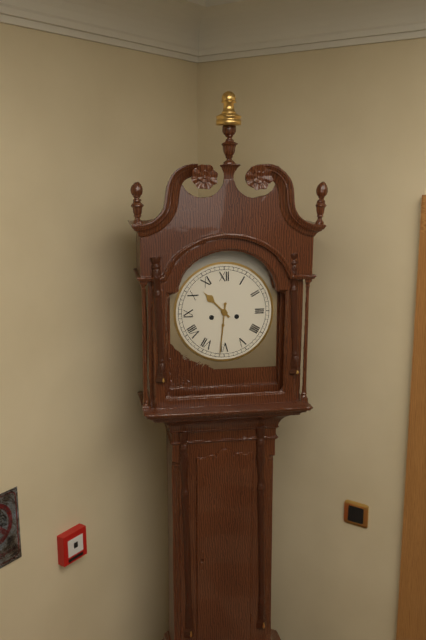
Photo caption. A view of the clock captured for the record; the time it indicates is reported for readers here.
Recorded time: 10:31
